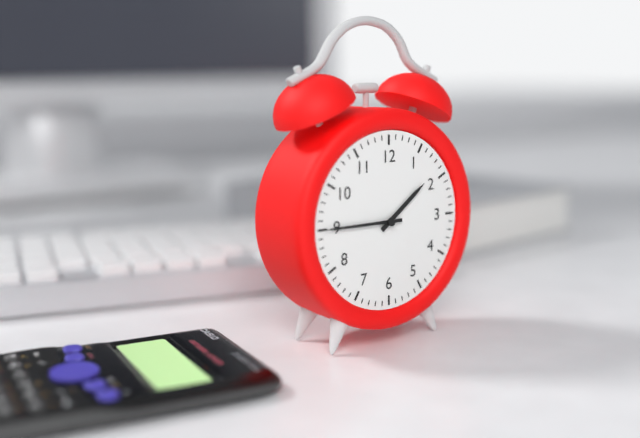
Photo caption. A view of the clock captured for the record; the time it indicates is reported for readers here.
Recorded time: 1:45
